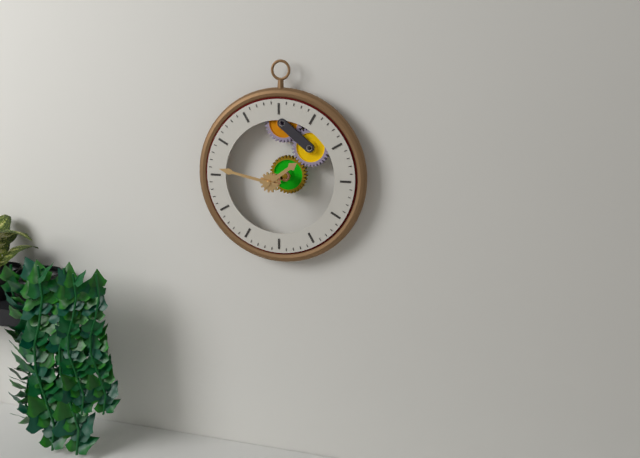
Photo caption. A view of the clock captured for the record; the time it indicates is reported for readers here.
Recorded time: 1:47
